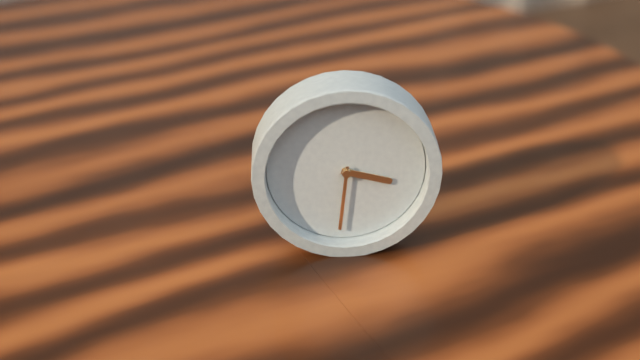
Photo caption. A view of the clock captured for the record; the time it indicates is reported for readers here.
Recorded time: 3:31
